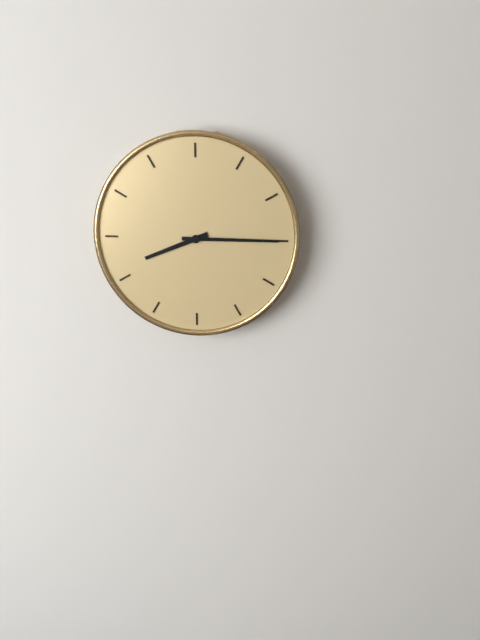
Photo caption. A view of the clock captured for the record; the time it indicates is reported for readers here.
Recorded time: 8:15
